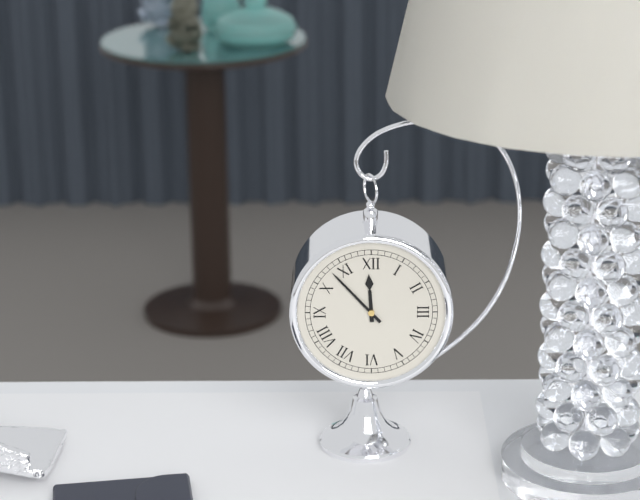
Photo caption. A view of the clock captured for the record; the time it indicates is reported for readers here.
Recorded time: 11:53
